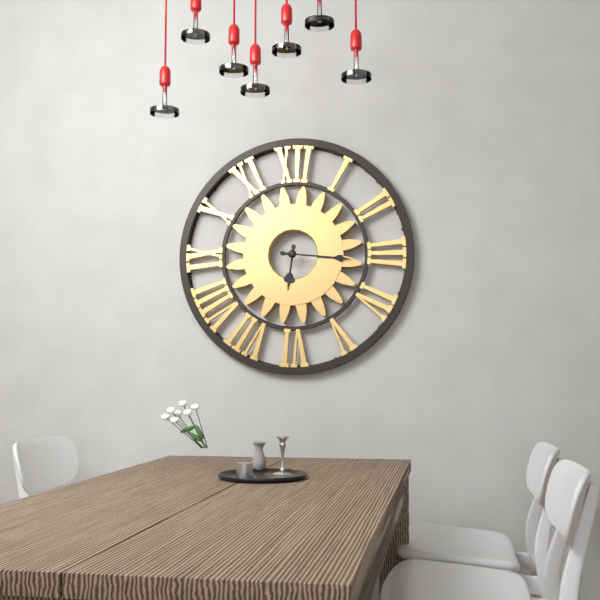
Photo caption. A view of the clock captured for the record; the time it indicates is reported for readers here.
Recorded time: 6:16
